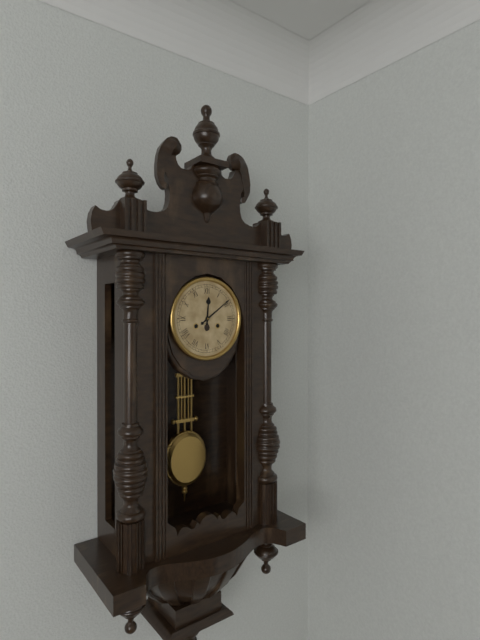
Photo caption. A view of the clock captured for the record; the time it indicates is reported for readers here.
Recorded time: 12:09
